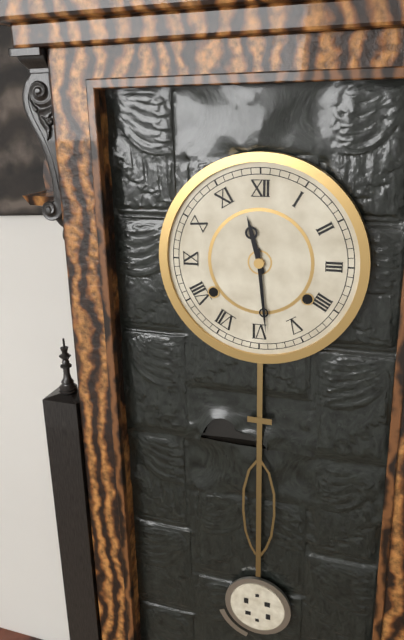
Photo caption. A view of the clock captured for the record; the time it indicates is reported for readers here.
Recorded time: 11:29
